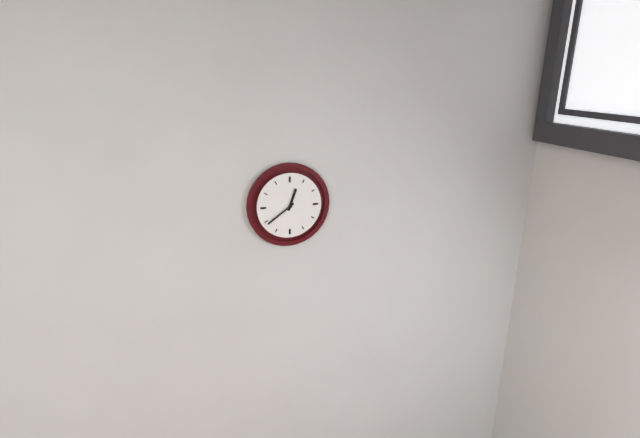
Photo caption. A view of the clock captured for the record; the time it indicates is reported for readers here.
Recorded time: 12:39
